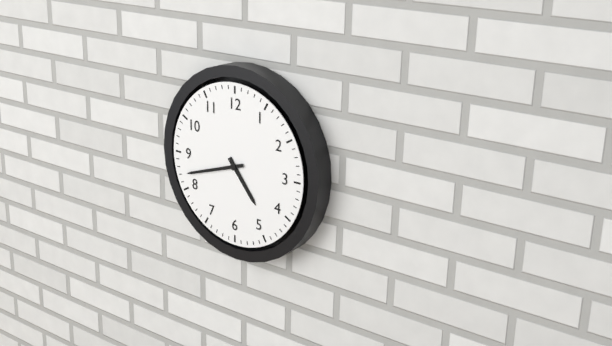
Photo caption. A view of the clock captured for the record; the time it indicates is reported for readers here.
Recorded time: 4:42
